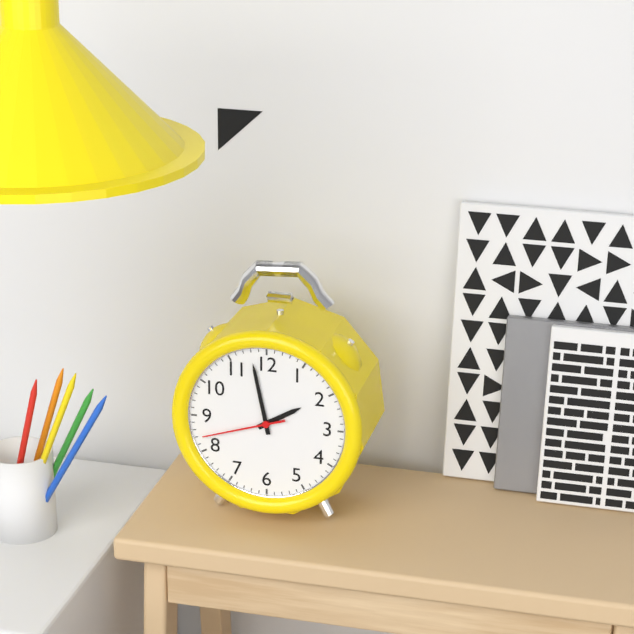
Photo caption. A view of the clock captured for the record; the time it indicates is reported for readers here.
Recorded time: 1:58:42
